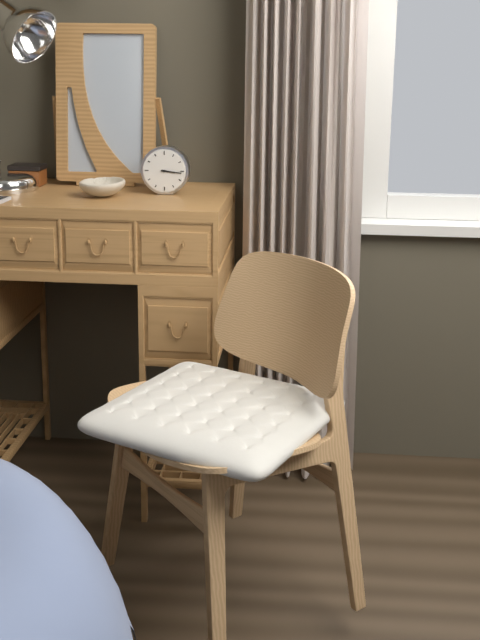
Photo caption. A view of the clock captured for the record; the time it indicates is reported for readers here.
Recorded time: 3:16
